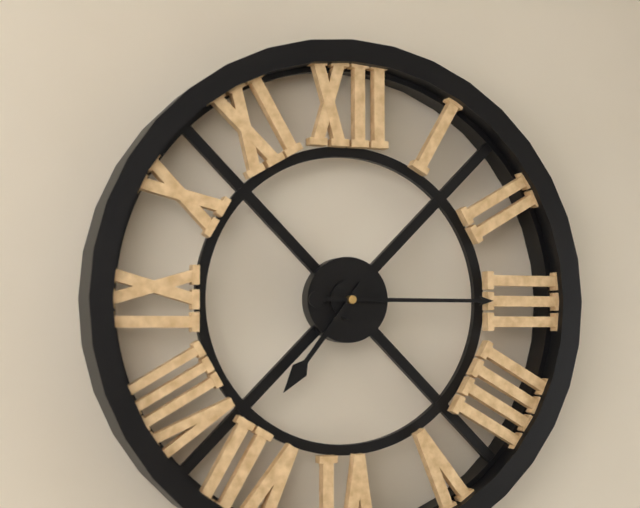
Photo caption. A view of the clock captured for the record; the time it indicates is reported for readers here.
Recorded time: 7:15
